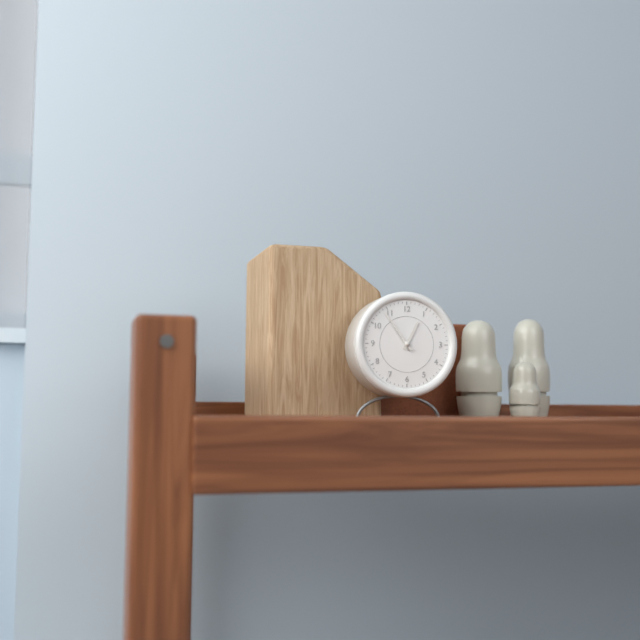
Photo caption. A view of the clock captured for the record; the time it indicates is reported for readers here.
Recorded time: 12:54
